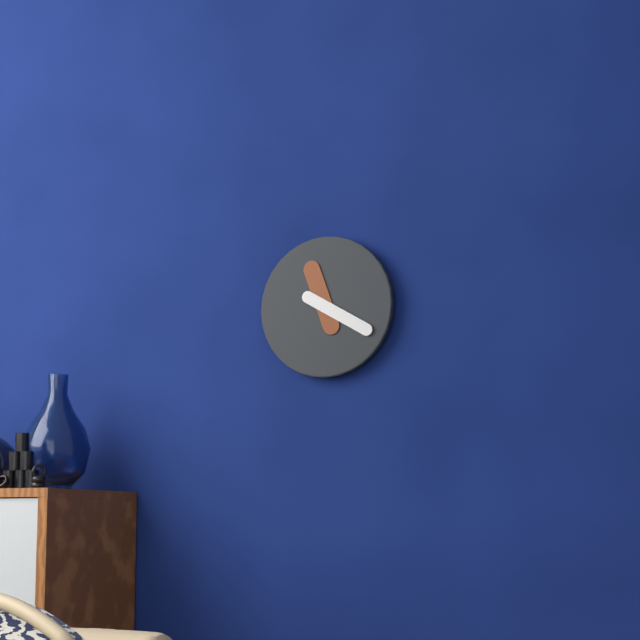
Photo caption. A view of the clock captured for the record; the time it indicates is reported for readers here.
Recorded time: 11:20
